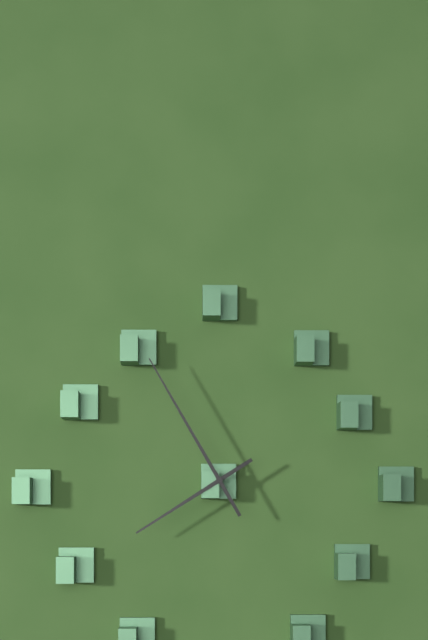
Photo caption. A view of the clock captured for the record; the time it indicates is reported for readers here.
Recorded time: 7:55
